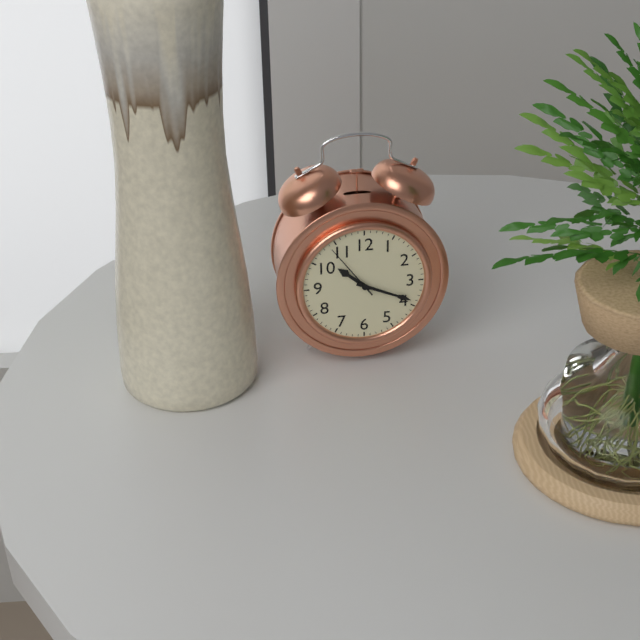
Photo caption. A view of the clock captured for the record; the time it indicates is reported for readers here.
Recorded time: 10:19:54
